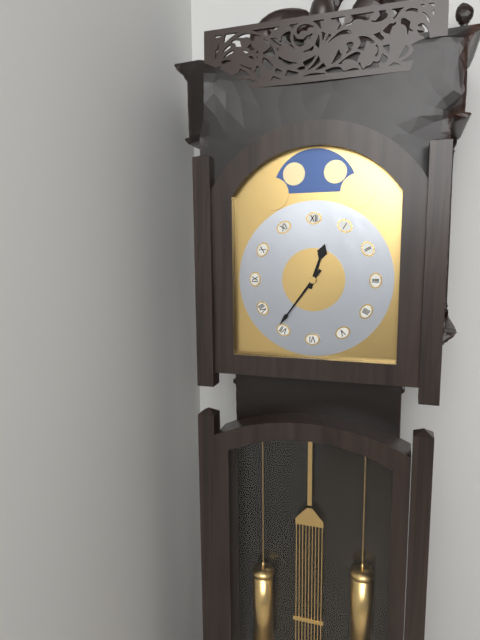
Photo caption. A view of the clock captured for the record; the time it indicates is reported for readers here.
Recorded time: 12:36
